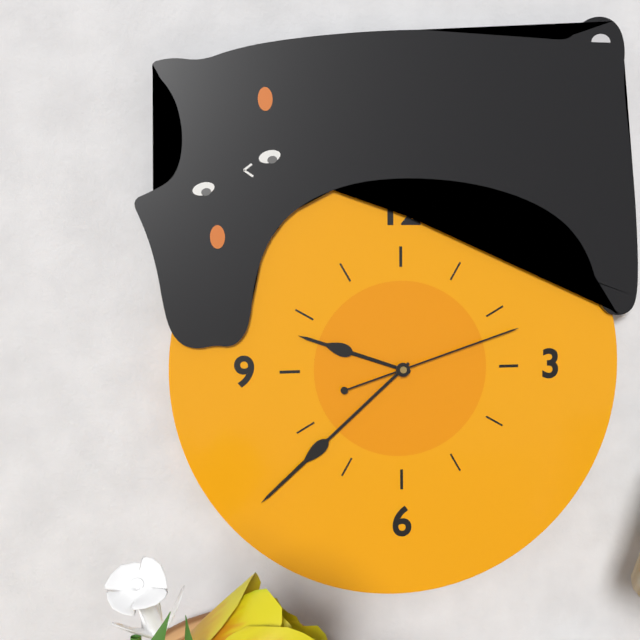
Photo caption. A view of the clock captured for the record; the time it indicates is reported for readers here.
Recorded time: 9:38:12
